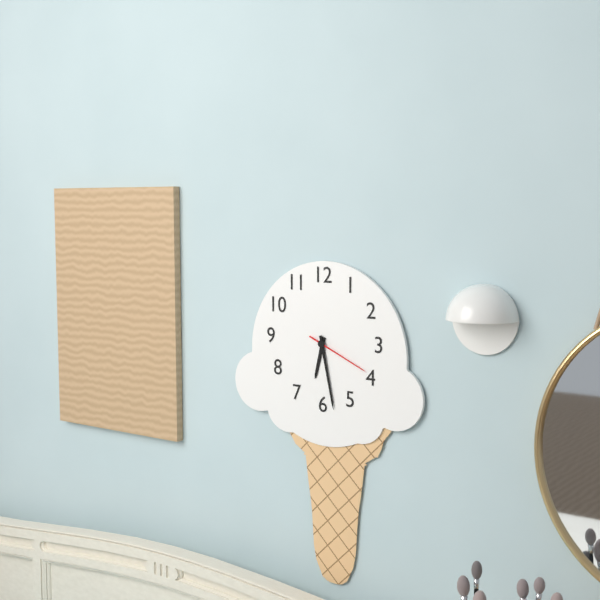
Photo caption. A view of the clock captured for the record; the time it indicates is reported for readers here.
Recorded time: 6:28:19
